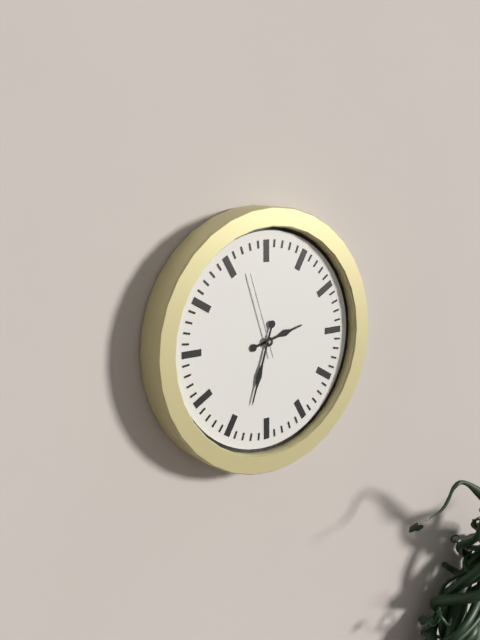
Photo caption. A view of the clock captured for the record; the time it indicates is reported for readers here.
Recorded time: 2:33:57
